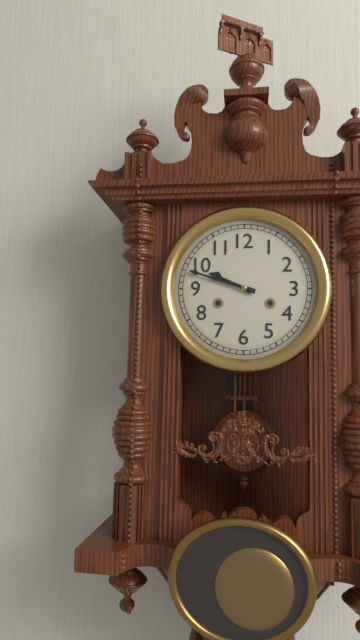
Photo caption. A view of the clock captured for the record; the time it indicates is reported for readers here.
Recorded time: 9:48
